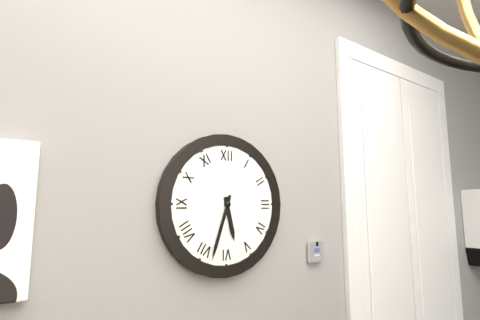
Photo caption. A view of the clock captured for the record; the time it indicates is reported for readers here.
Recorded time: 5:33
